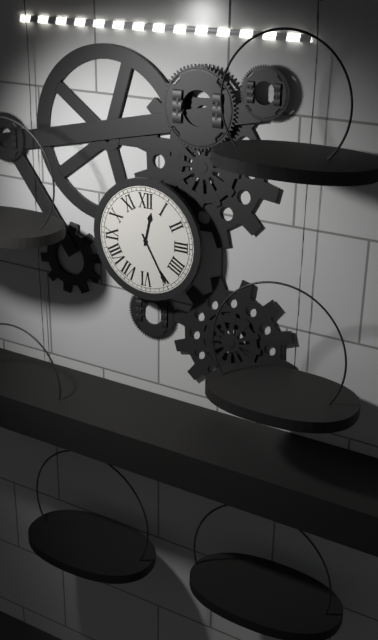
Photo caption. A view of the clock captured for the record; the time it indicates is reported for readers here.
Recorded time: 12:25
